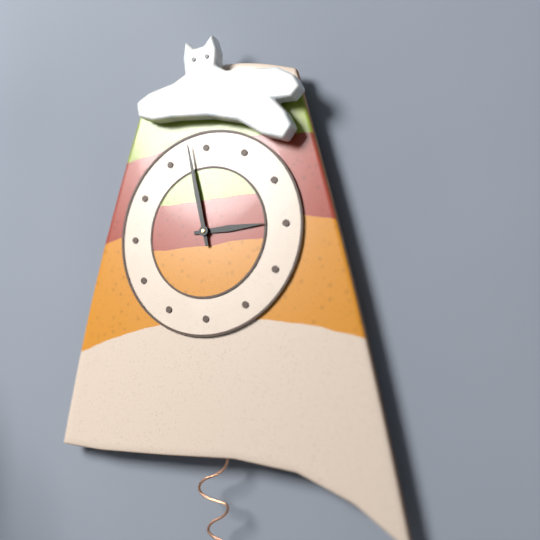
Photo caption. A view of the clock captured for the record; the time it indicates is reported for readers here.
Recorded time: 2:58
